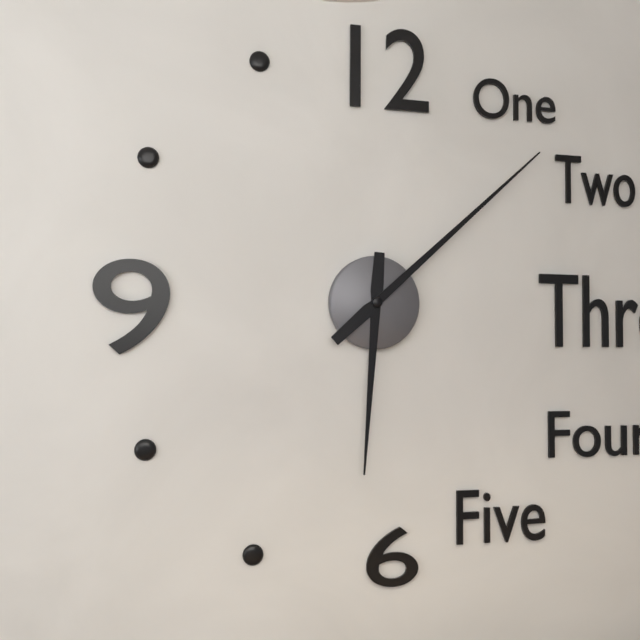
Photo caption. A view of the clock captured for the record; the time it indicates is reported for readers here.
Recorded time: 6:08
